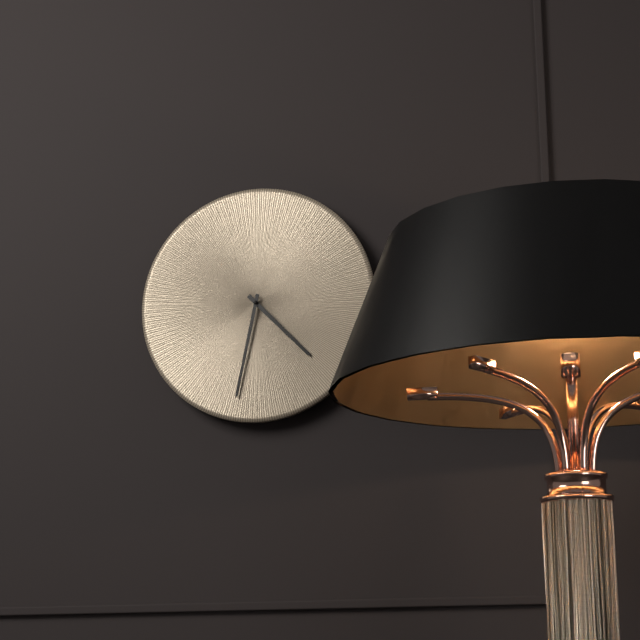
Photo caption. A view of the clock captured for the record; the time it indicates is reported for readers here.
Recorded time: 4:32
